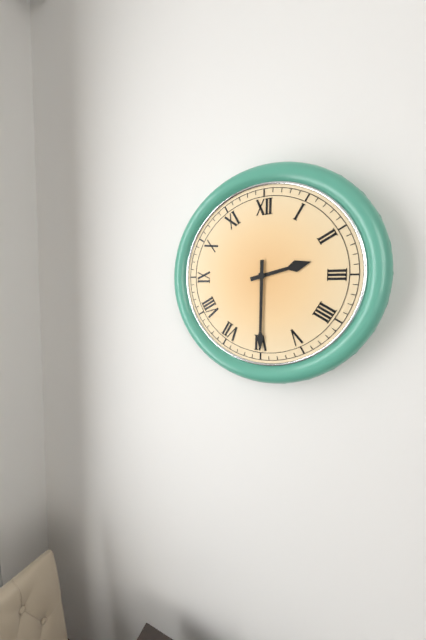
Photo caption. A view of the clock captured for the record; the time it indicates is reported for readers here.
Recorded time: 2:30
